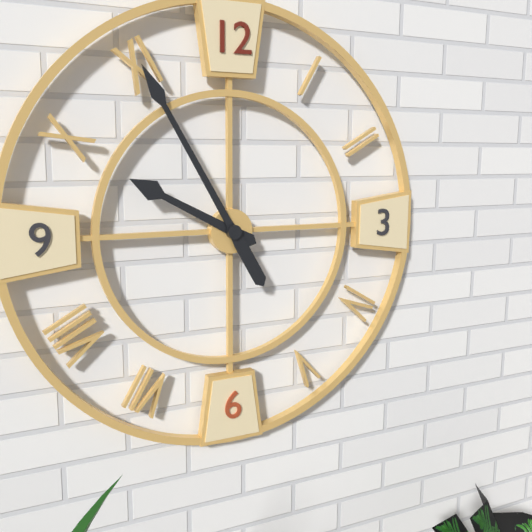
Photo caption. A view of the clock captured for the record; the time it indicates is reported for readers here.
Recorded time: 9:55
